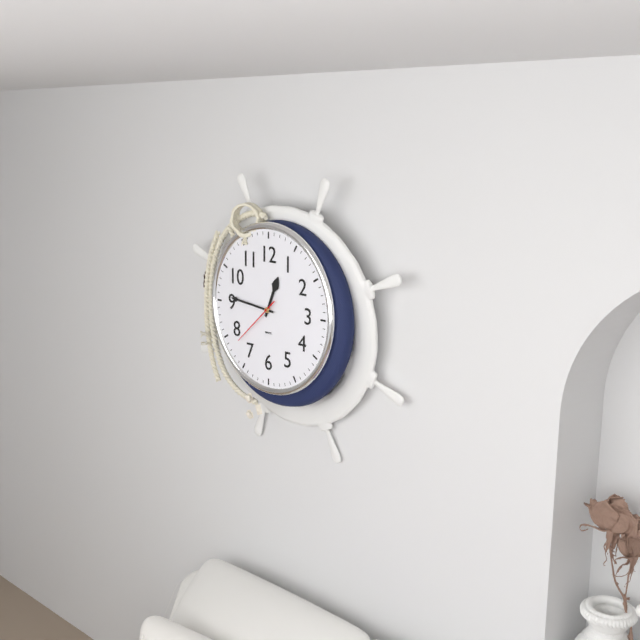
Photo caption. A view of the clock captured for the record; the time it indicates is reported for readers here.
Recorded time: 12:46:38
